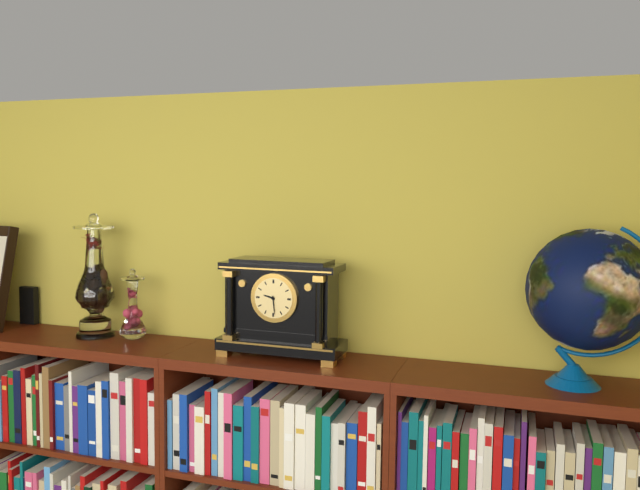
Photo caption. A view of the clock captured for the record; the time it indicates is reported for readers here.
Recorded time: 9:29
